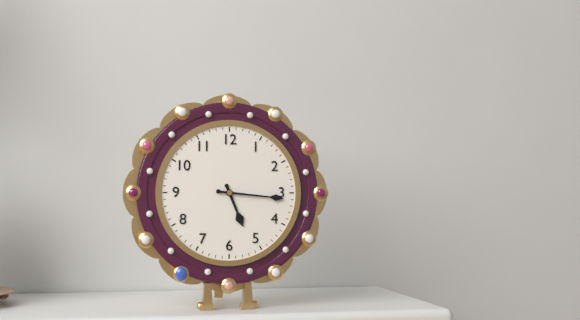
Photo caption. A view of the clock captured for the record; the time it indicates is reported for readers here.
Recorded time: 5:16
